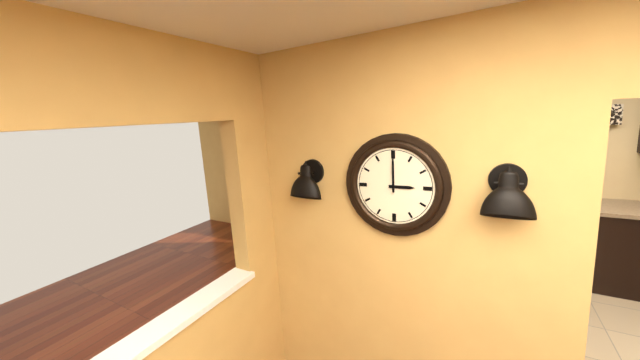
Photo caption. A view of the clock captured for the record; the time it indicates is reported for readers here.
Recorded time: 3:00
